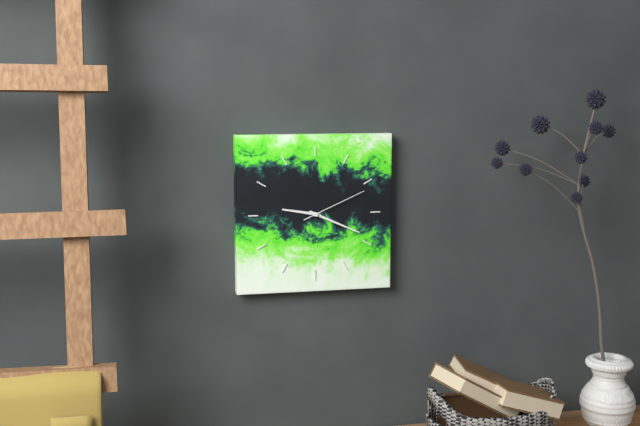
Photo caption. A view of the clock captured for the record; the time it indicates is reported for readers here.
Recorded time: 9:19:11
